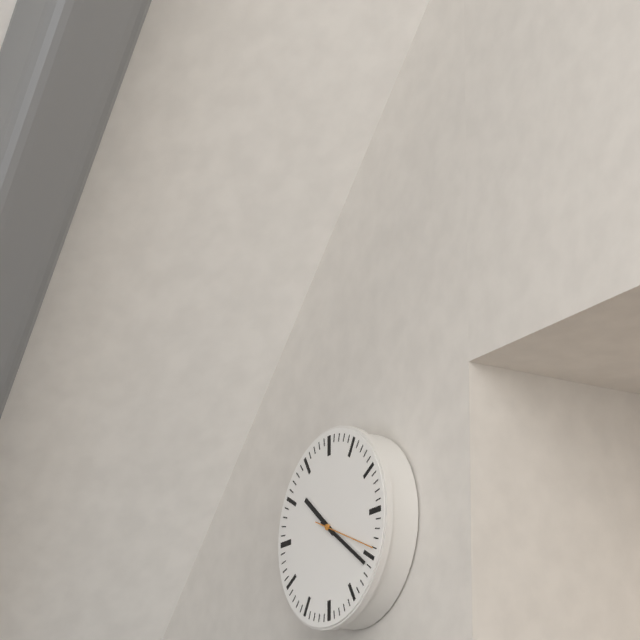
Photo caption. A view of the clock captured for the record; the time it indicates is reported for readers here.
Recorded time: 10:21:19
